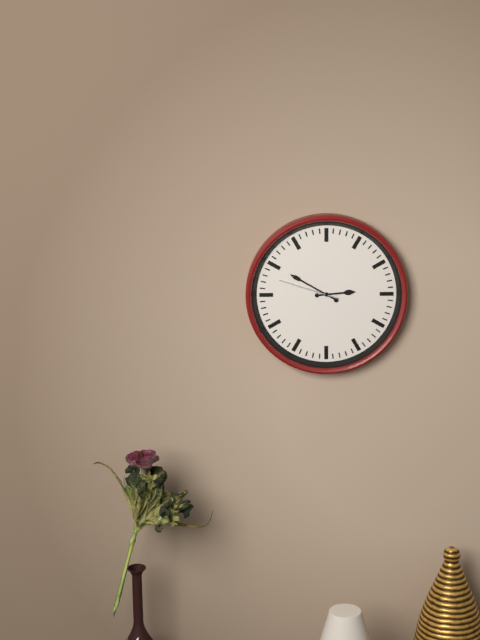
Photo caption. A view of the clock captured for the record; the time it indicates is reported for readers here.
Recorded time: 2:50:48
